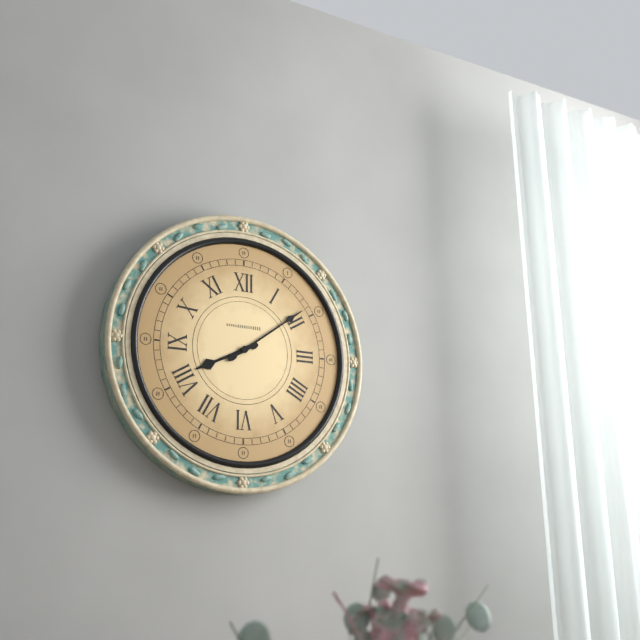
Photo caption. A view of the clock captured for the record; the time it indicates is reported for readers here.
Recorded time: 8:09
